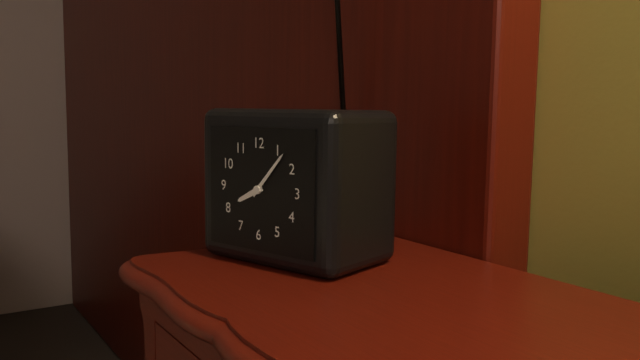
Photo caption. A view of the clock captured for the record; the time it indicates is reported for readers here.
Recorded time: 8:07
